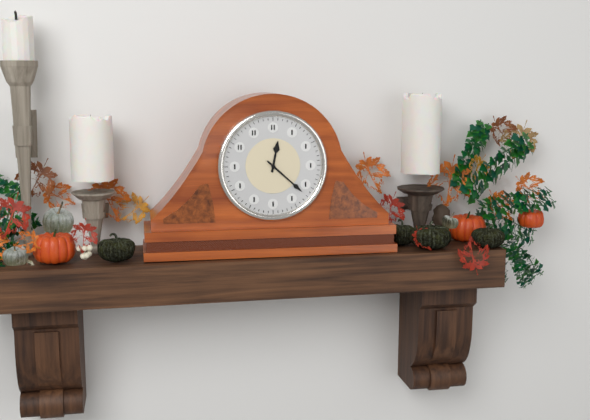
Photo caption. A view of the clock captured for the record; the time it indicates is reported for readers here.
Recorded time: 12:22
